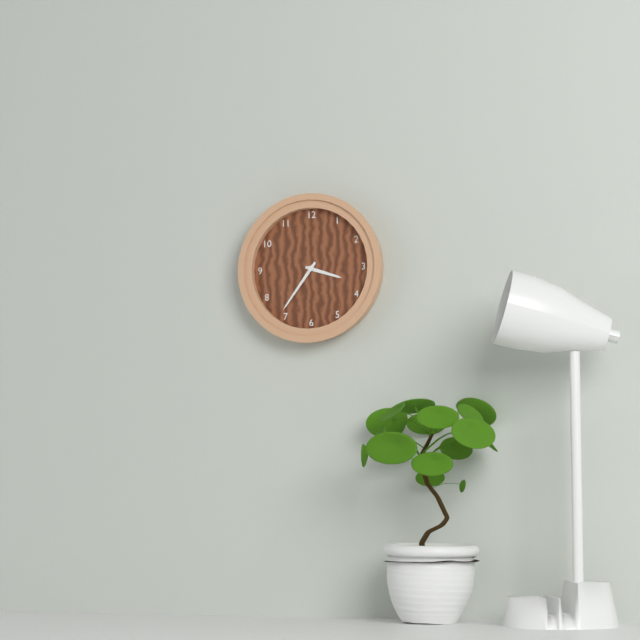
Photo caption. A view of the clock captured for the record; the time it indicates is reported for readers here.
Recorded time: 3:36
